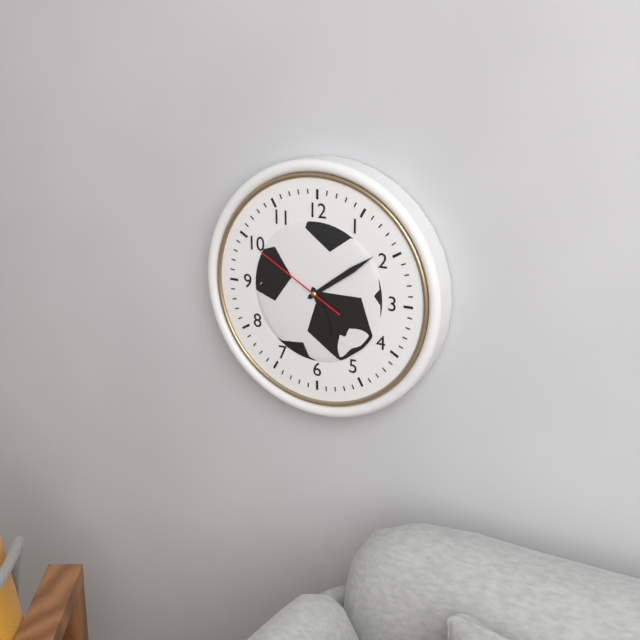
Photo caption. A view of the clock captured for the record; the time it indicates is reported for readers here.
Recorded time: 5:09:50
